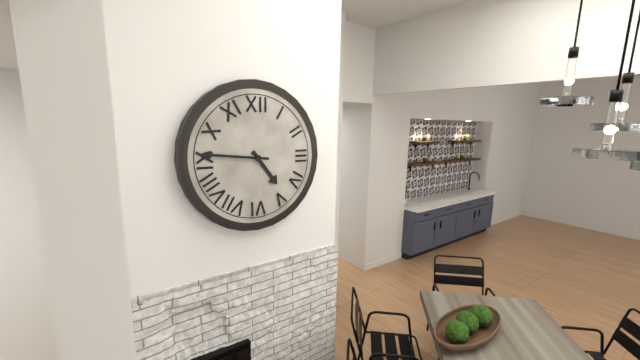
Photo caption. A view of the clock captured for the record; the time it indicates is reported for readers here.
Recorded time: 4:46
